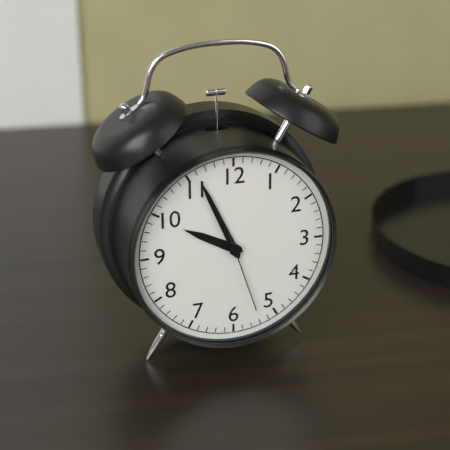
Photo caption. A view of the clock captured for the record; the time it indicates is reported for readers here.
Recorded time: 9:56:27
